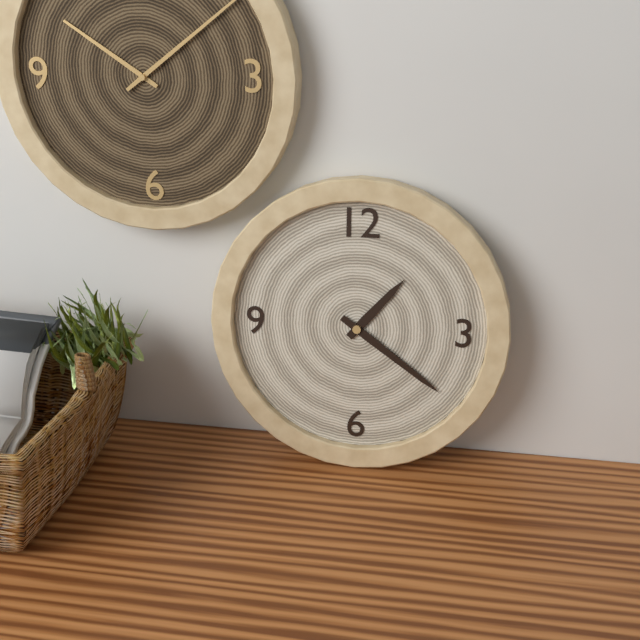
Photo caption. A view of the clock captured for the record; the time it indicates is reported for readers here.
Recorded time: 1:21
